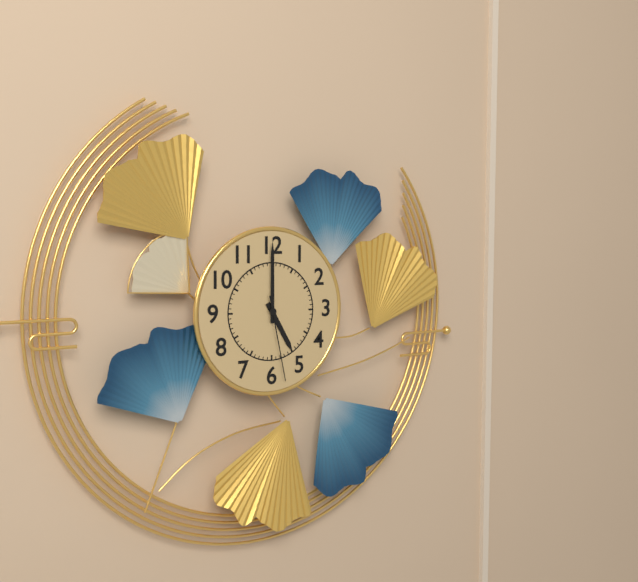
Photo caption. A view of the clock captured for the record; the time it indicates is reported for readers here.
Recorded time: 5:00:28
